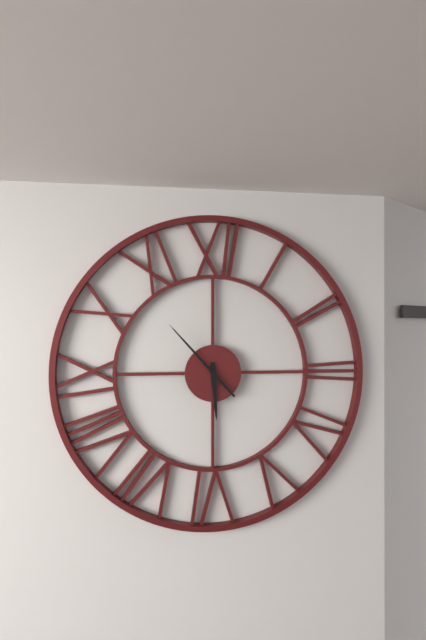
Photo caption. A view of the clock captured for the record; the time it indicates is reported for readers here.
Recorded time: 5:53
